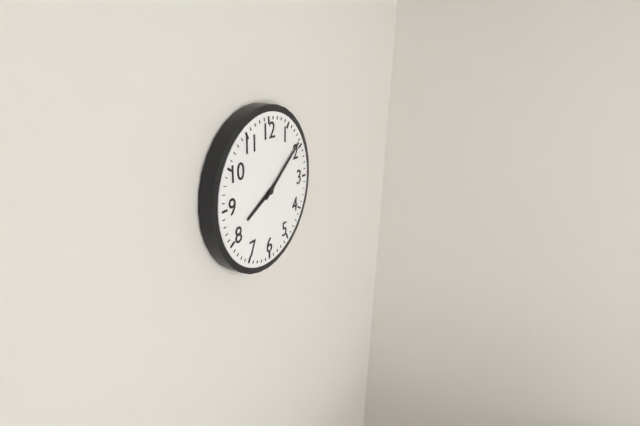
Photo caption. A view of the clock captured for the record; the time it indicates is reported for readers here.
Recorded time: 8:09
